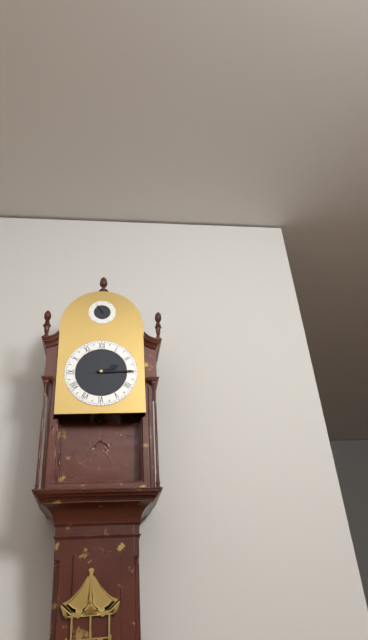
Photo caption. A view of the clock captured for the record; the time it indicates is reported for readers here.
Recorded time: 2:15
